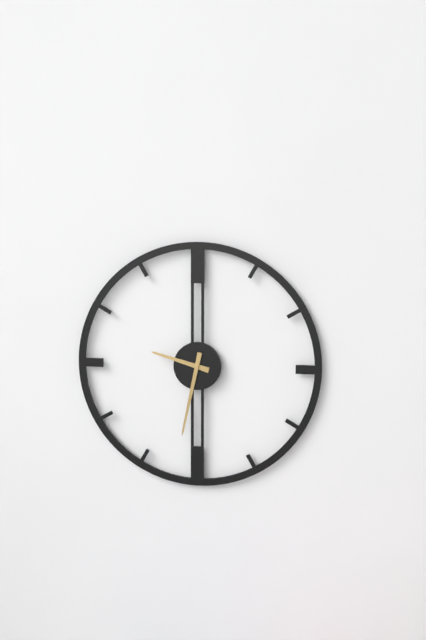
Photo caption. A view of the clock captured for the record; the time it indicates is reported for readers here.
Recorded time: 9:32
